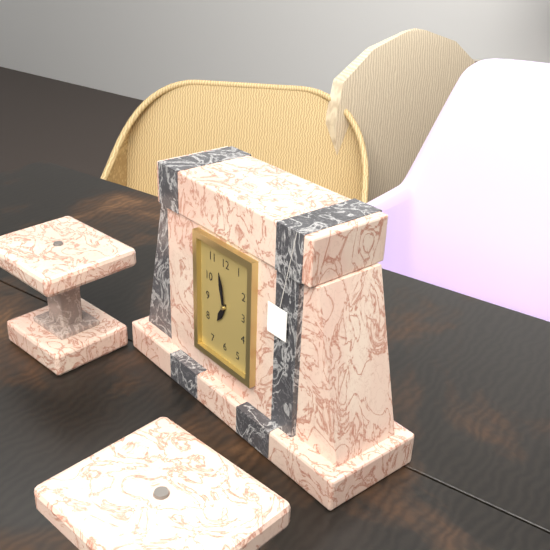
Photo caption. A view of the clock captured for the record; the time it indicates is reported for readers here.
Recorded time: 6:58
